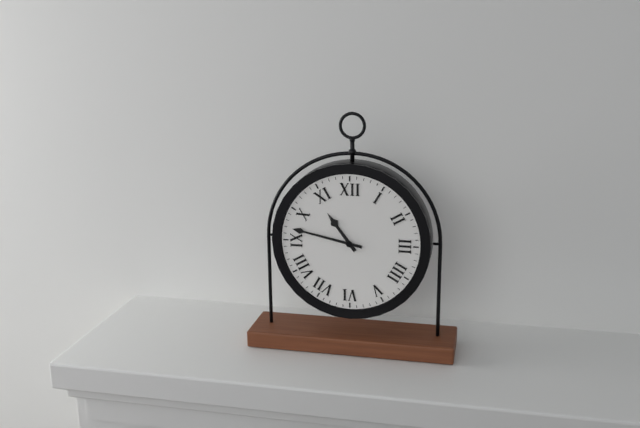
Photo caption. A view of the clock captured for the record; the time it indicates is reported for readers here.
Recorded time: 10:47
